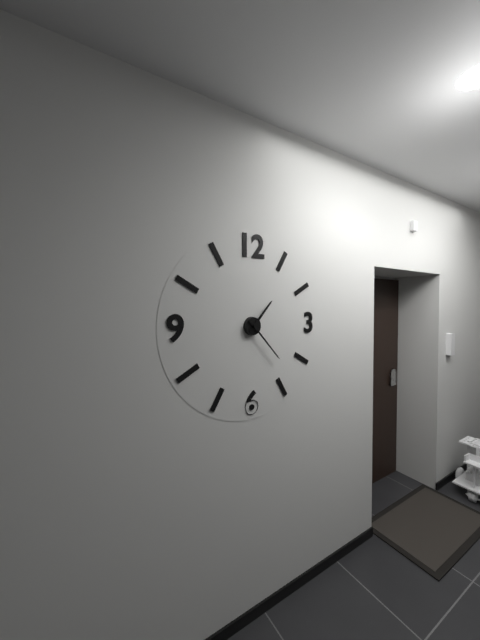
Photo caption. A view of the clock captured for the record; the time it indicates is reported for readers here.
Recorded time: 1:23
